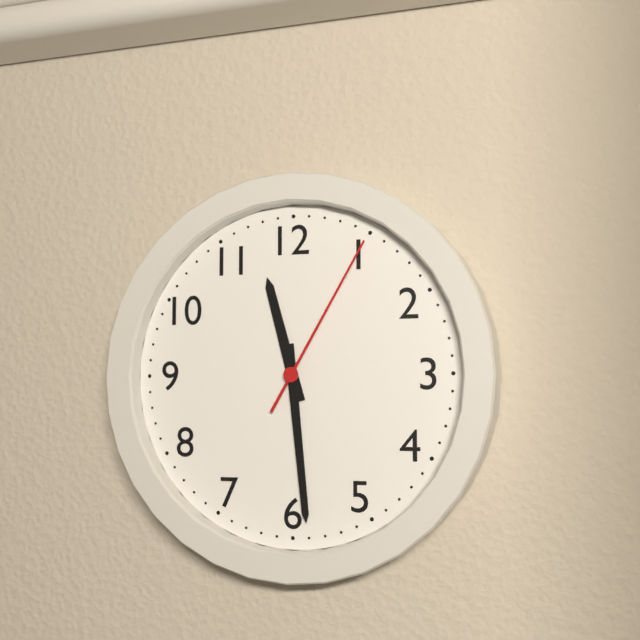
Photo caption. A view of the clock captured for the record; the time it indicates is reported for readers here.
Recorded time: 11:29:05
